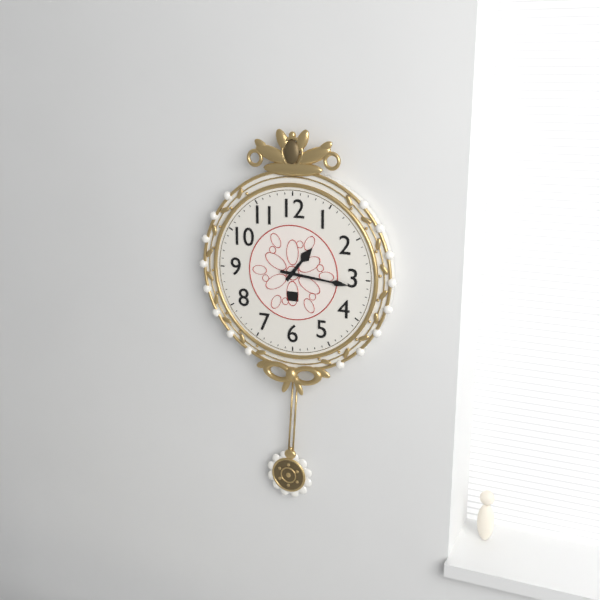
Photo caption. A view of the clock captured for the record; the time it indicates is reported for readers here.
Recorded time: 1:16
